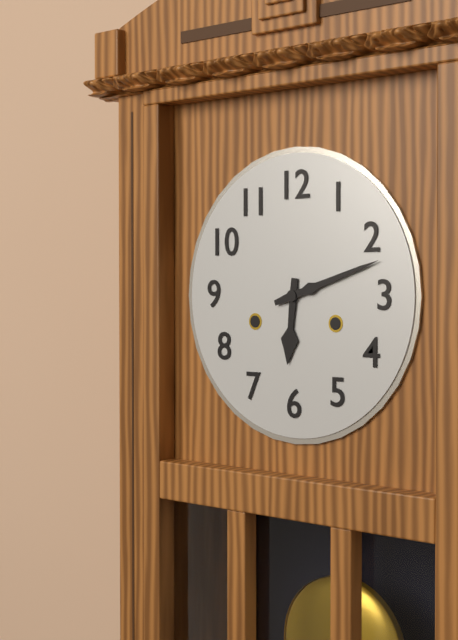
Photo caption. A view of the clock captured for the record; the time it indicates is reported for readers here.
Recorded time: 6:12
